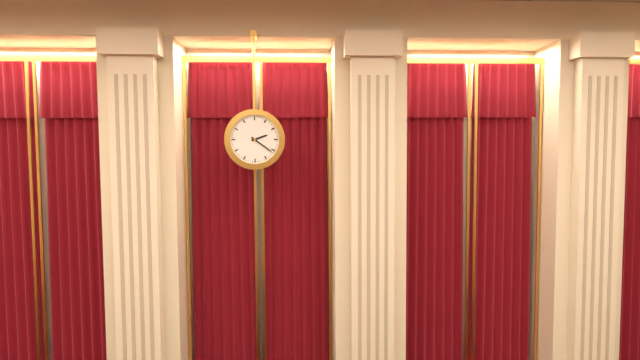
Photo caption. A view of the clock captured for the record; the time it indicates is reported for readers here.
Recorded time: 2:21
